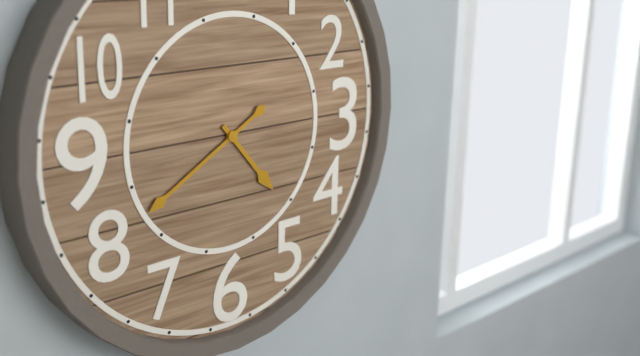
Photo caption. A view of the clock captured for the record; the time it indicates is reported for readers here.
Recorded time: 4:40
